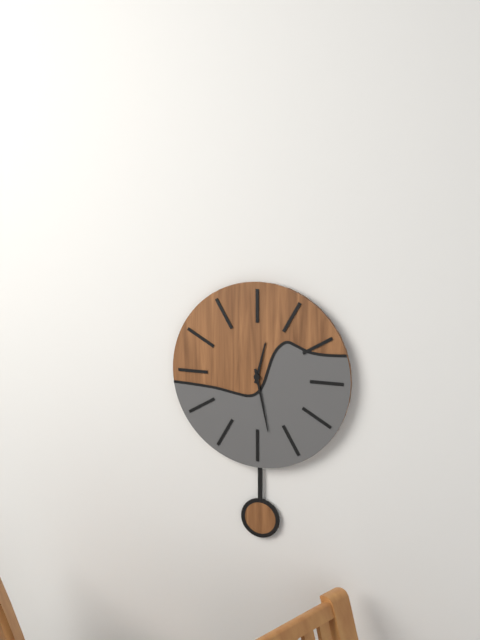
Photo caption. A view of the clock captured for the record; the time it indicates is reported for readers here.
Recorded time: 12:28
